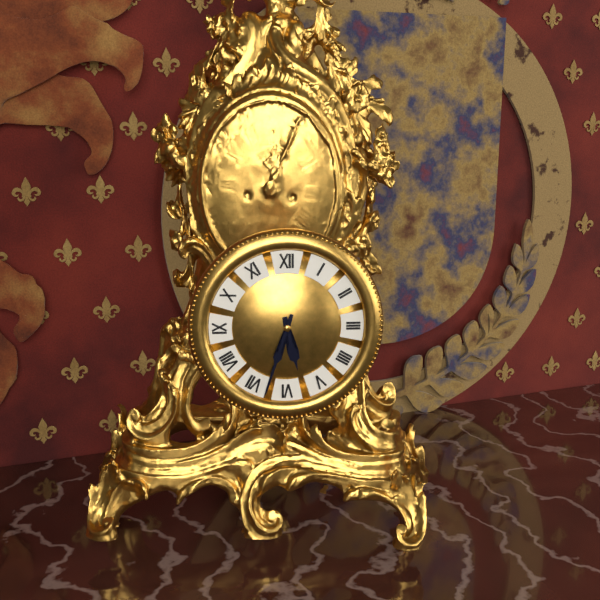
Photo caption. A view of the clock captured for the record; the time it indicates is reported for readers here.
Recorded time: 5:33
